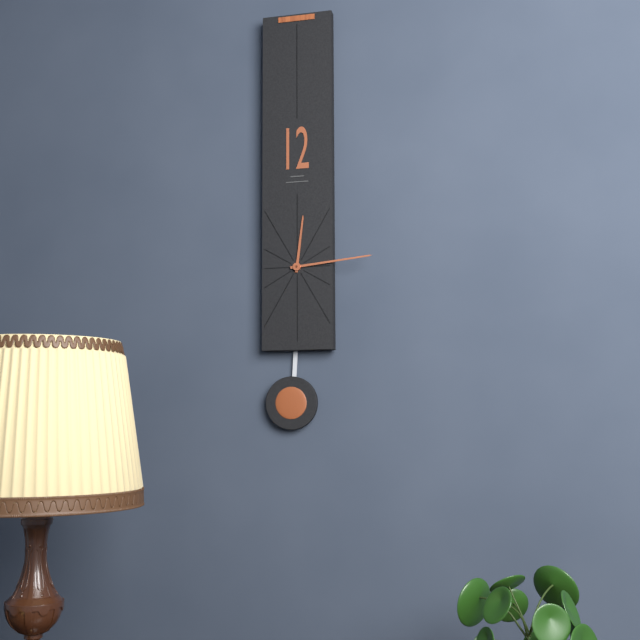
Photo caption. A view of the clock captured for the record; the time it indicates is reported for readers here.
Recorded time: 12:14
